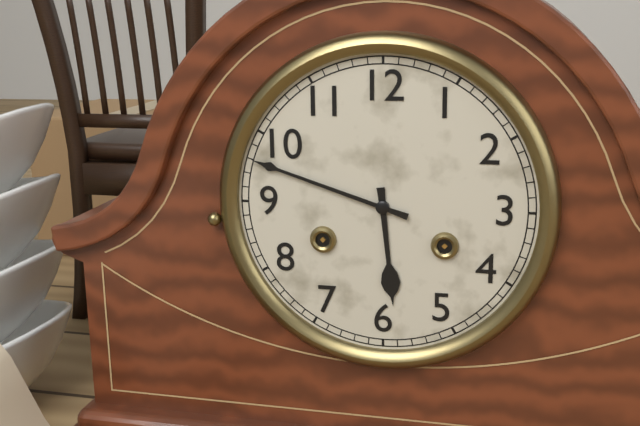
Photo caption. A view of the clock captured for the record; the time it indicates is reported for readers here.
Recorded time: 5:48
